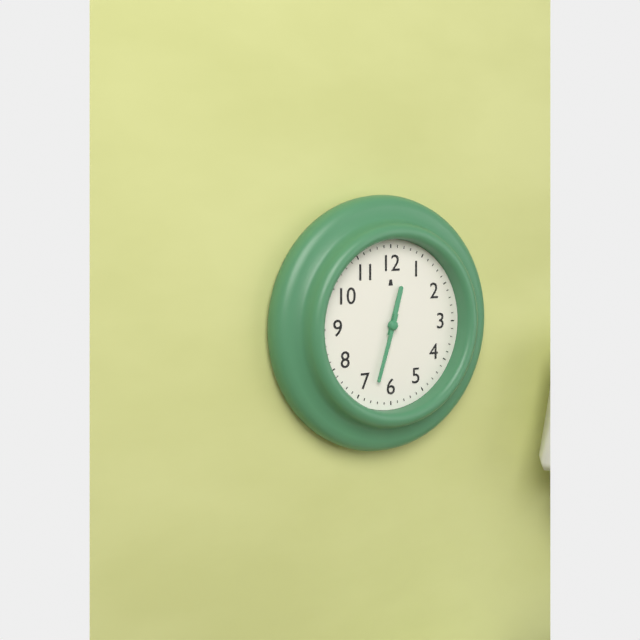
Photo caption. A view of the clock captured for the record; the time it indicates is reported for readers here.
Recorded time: 12:33
